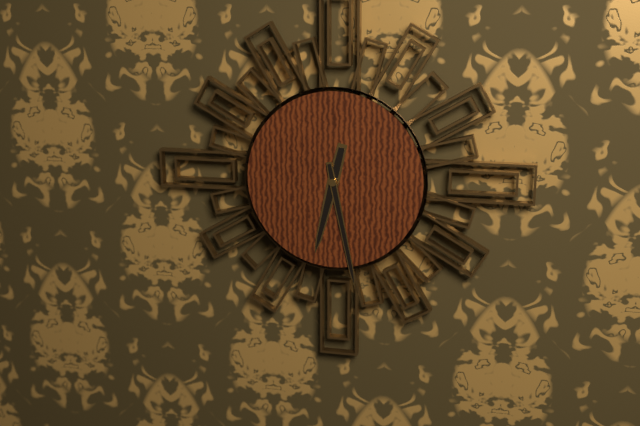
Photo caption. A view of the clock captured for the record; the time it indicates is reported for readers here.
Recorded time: 6:28
